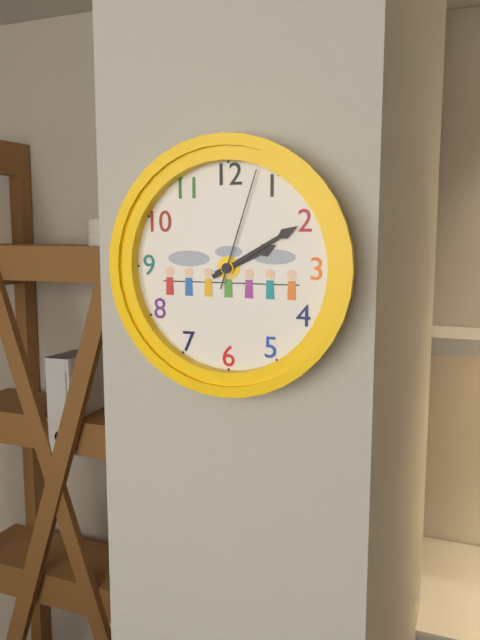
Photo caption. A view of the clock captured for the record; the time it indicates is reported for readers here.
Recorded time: 2:10:03
